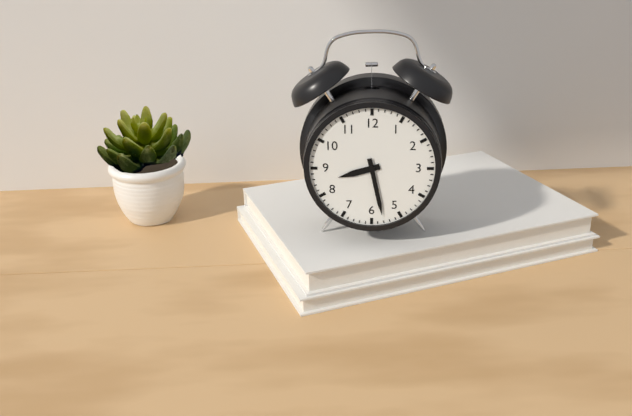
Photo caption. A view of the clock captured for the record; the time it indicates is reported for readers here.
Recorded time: 8:28
